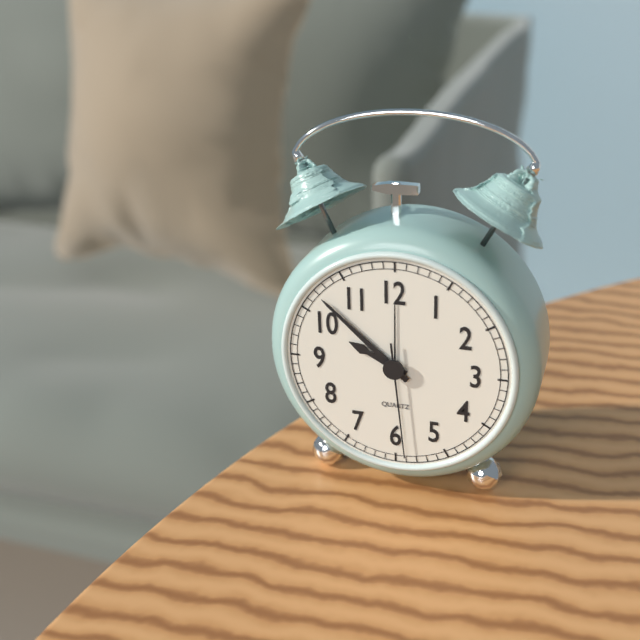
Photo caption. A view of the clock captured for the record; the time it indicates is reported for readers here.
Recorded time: 9:52:29
